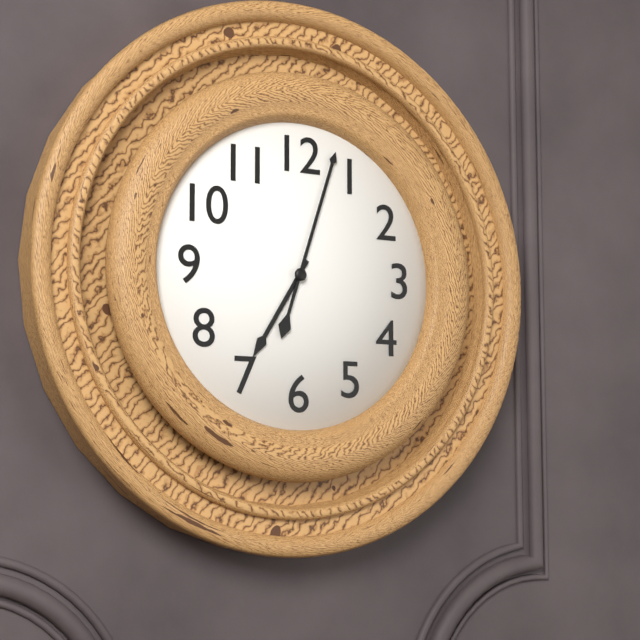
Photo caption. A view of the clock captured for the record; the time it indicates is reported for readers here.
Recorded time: 7:03
